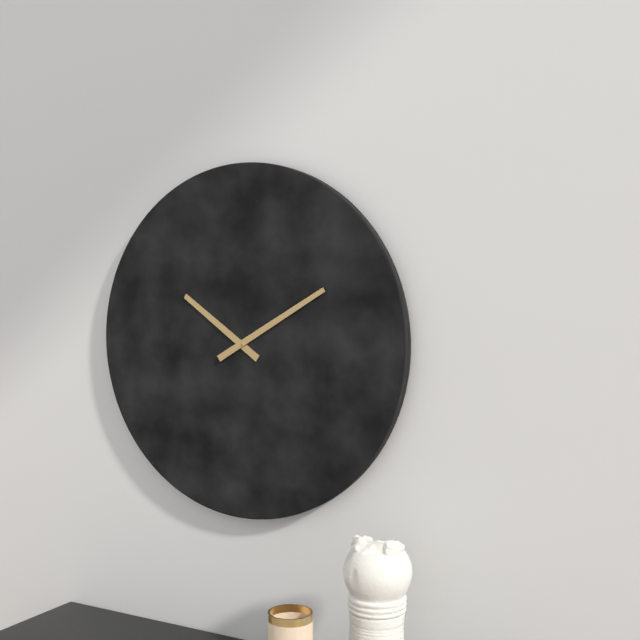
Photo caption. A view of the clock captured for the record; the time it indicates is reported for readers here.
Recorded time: 10:10
